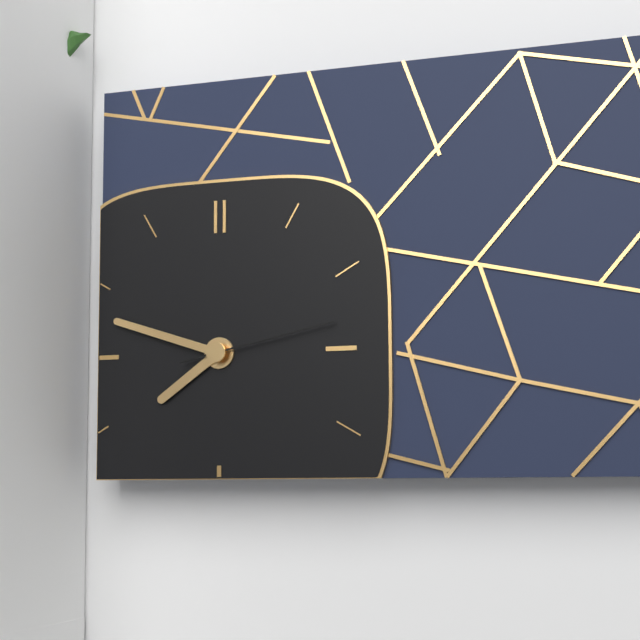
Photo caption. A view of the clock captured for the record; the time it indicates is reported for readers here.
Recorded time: 7:48:13
